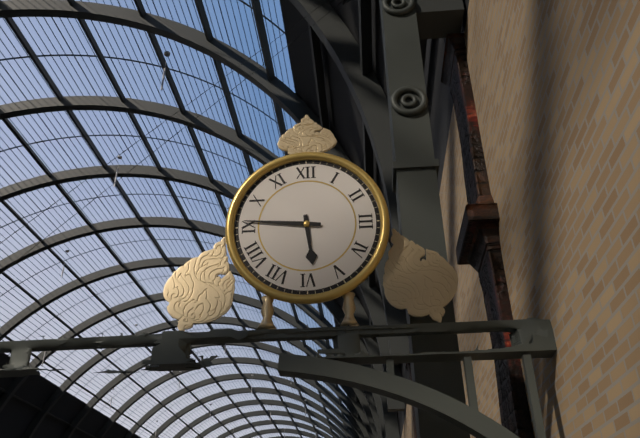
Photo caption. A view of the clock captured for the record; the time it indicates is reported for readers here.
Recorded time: 5:46
